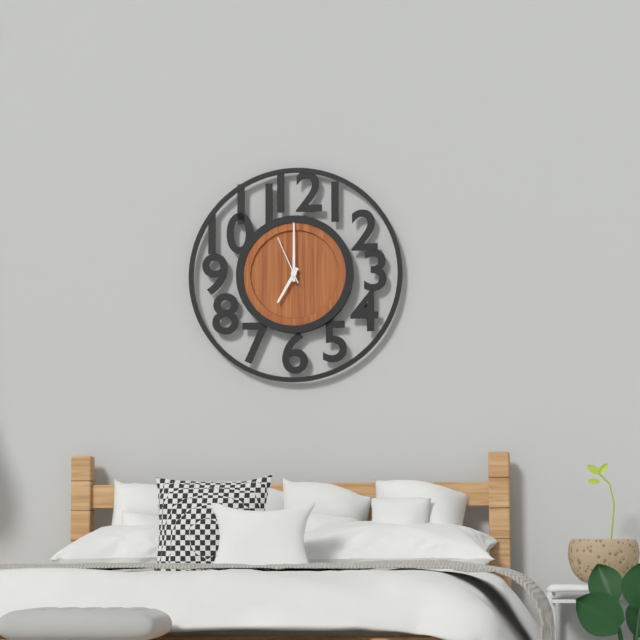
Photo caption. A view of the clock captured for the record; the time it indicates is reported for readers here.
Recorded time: 7:00:56
